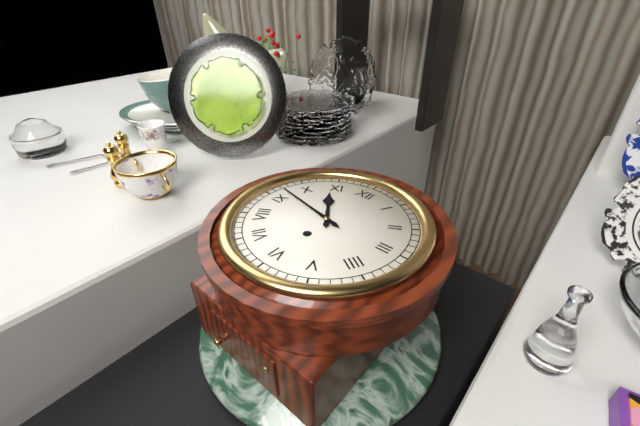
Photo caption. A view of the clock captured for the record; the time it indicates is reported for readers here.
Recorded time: 10:47
